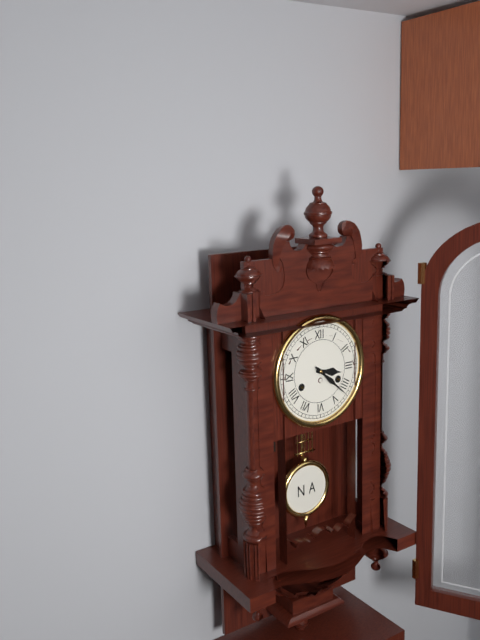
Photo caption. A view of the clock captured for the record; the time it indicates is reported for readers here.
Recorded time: 3:22
